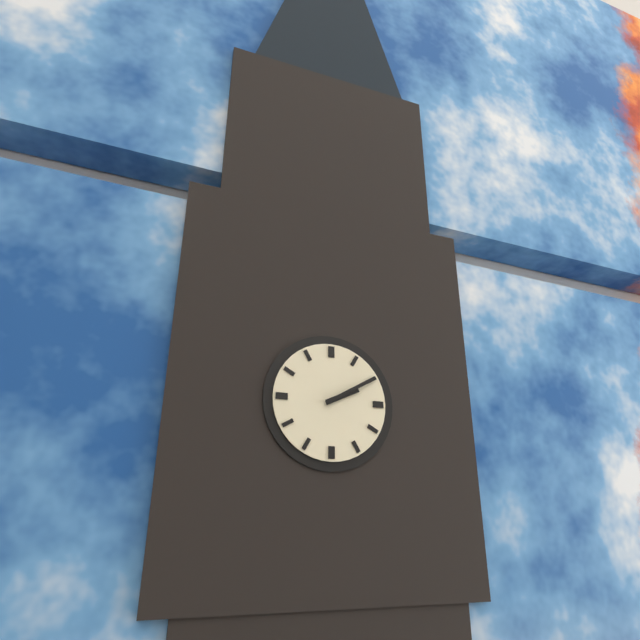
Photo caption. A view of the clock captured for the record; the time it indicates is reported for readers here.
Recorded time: 2:10
